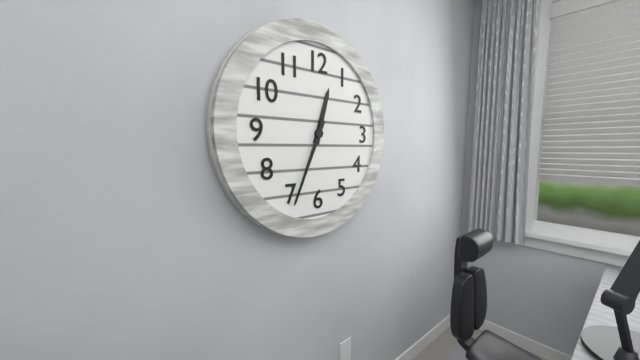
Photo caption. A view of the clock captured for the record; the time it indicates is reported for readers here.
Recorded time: 12:34
